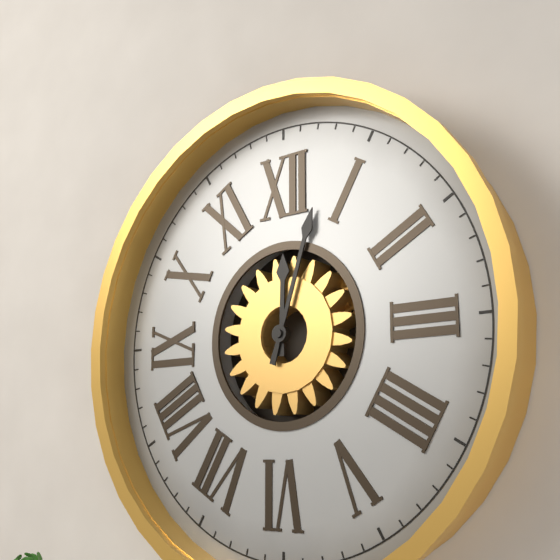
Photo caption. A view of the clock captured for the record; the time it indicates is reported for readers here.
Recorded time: 12:03
